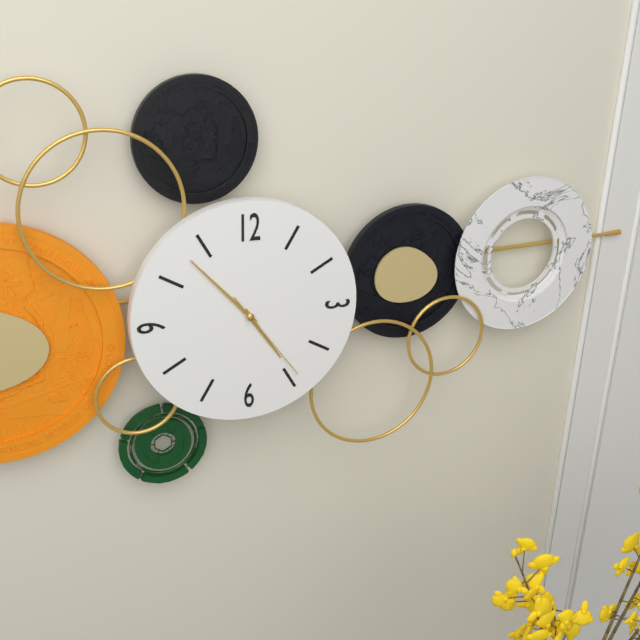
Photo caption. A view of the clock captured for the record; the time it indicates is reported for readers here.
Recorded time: 4:53:24
